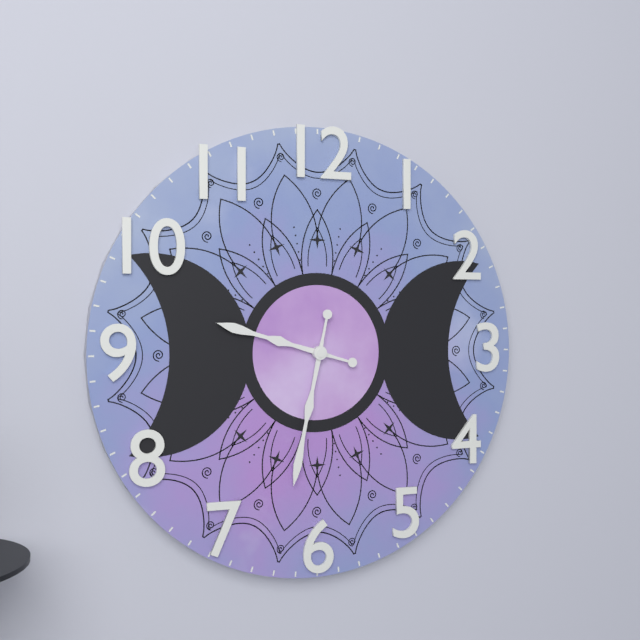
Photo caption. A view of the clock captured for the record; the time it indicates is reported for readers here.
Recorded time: 9:32
